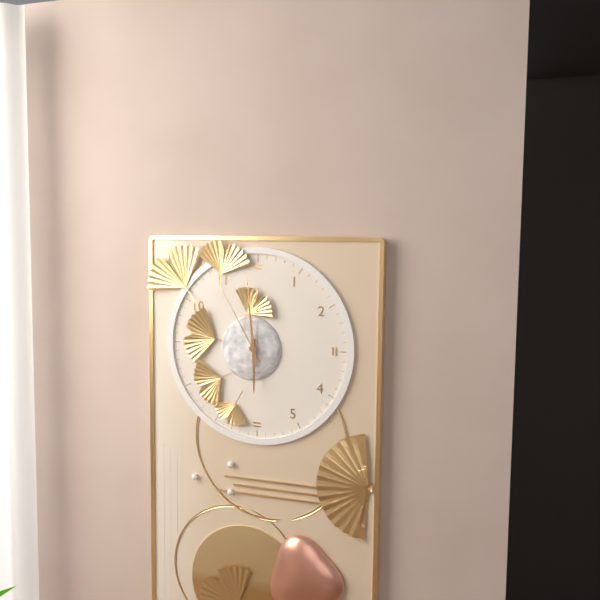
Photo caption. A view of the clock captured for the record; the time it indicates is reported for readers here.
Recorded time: 5:59:55
